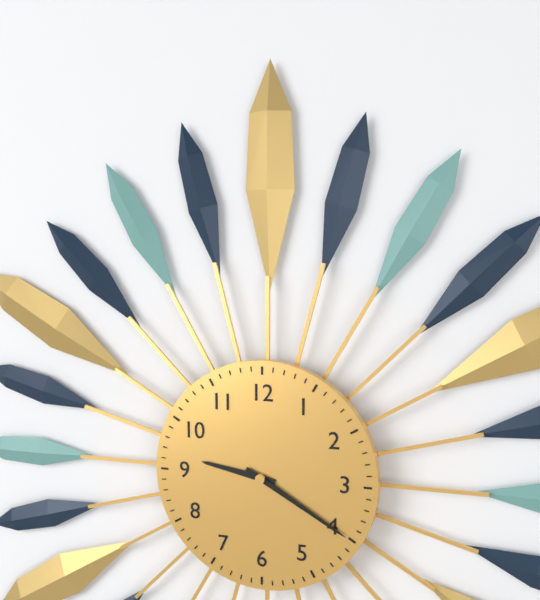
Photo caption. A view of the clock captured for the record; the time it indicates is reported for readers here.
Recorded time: 9:20
